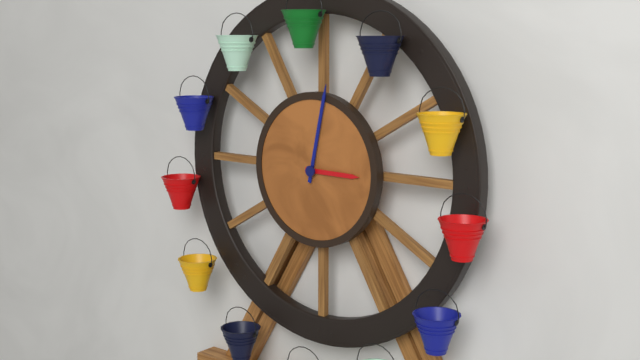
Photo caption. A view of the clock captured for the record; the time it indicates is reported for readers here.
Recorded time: 3:02
